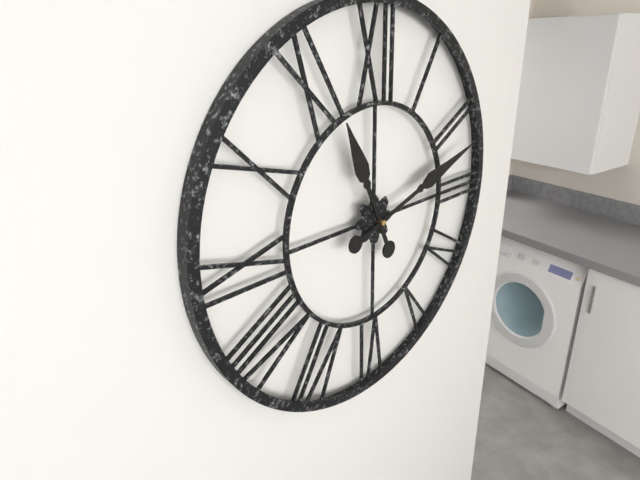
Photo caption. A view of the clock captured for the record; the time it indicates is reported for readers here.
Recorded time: 11:12
